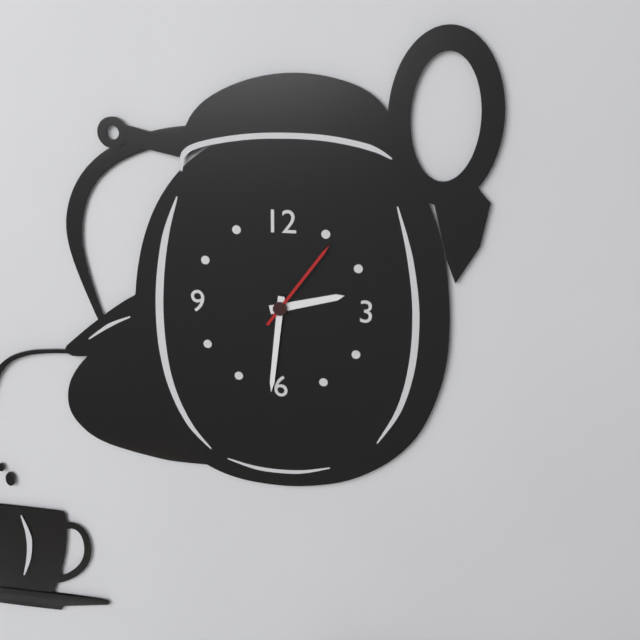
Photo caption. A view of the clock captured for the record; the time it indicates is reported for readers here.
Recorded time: 2:31:06
